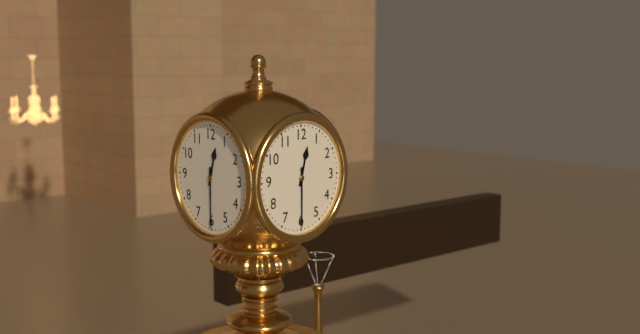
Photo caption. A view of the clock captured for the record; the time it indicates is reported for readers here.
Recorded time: 12:30
